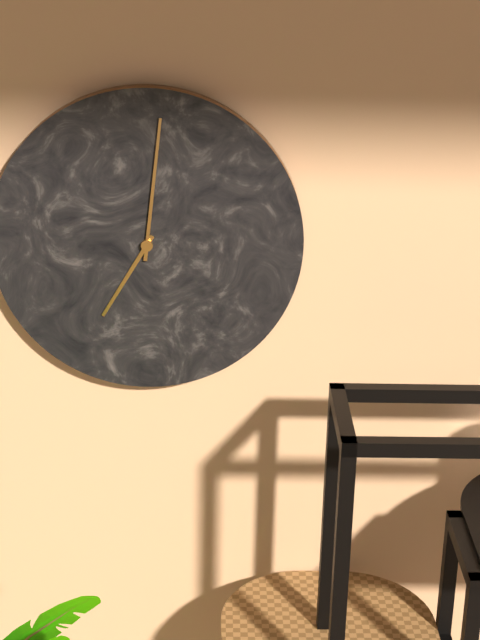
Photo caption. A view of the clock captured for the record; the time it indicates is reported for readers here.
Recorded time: 7:01
